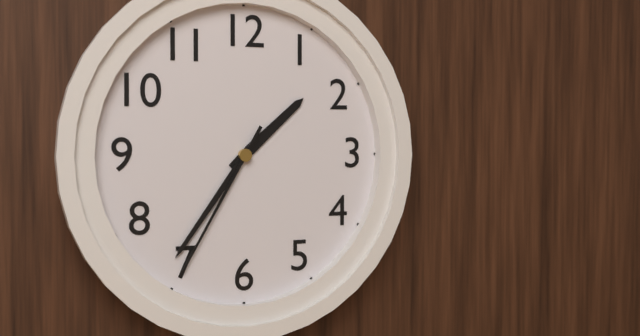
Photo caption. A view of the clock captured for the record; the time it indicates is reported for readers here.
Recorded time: 1:36:35
